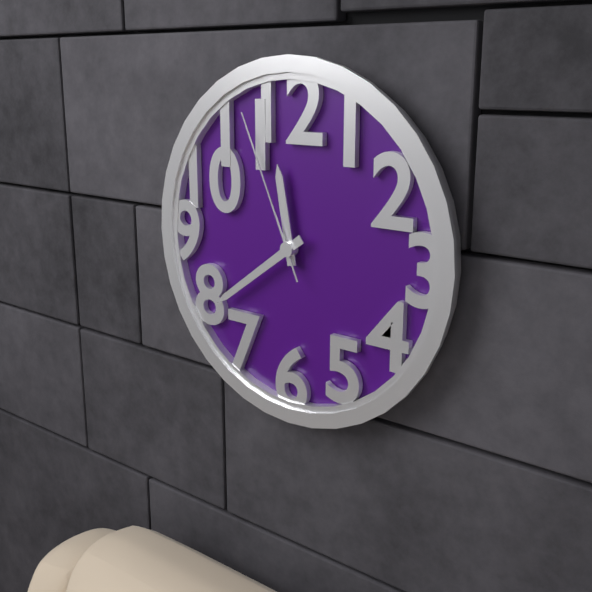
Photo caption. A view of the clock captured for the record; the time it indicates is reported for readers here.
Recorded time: 11:39:56
